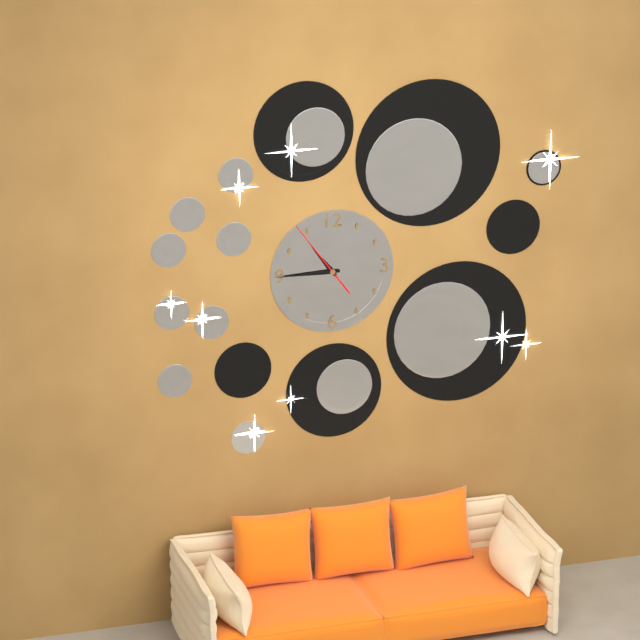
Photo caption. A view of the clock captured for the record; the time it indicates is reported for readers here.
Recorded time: 10:45:54
